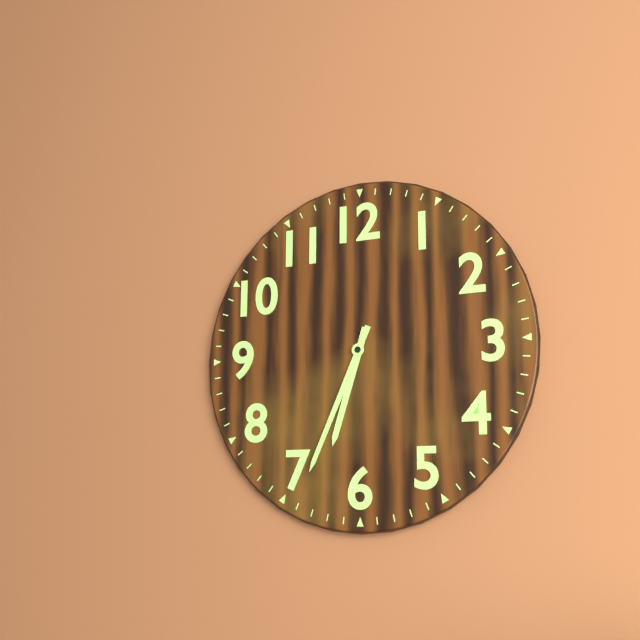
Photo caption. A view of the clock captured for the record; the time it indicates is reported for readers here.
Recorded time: 6:34
